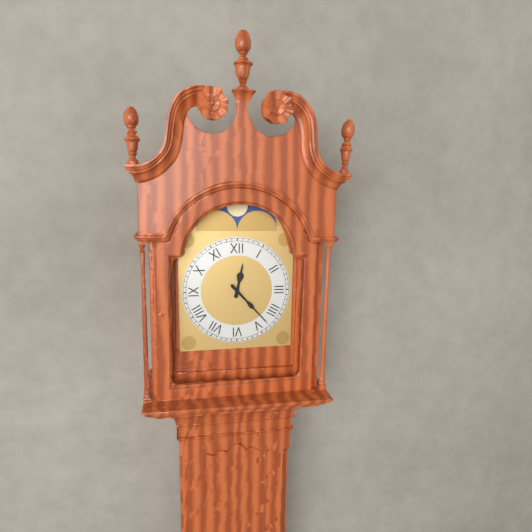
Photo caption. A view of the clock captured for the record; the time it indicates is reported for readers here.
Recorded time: 12:23
